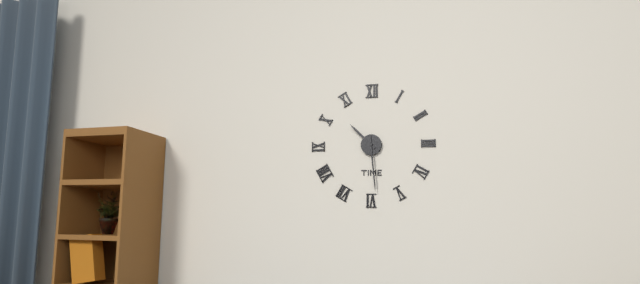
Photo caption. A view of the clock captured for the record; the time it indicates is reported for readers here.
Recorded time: 10:29
